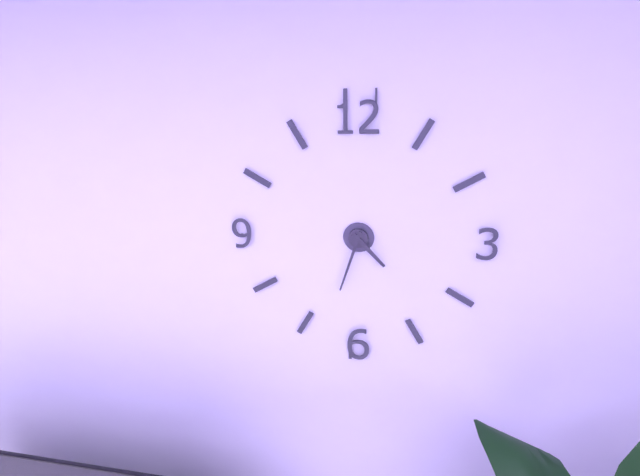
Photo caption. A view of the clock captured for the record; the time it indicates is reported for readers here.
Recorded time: 4:33
